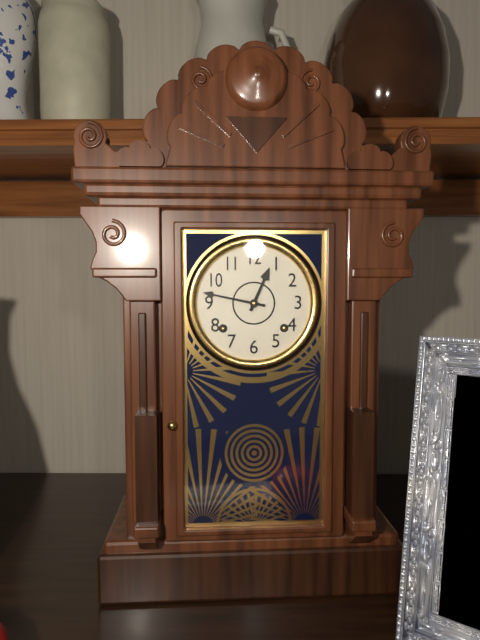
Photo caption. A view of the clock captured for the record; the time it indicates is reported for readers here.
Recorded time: 12:47
